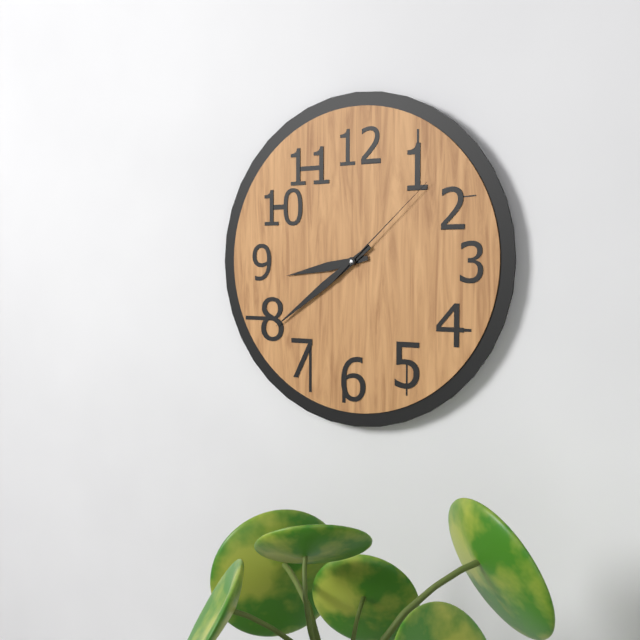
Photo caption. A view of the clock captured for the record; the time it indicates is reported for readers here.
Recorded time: 8:39:08
